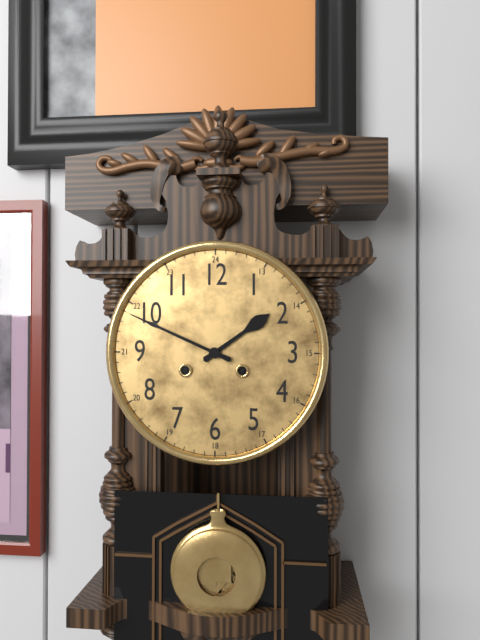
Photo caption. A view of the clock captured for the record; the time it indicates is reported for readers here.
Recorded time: 1:49
